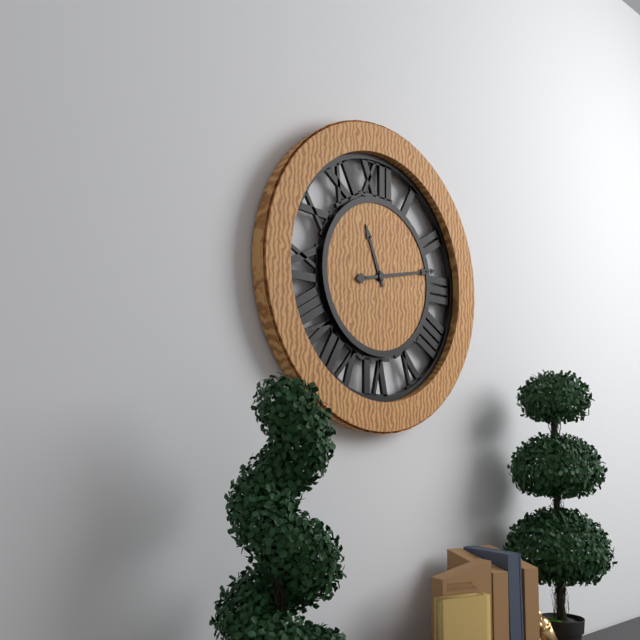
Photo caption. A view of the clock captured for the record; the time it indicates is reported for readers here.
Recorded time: 11:13
